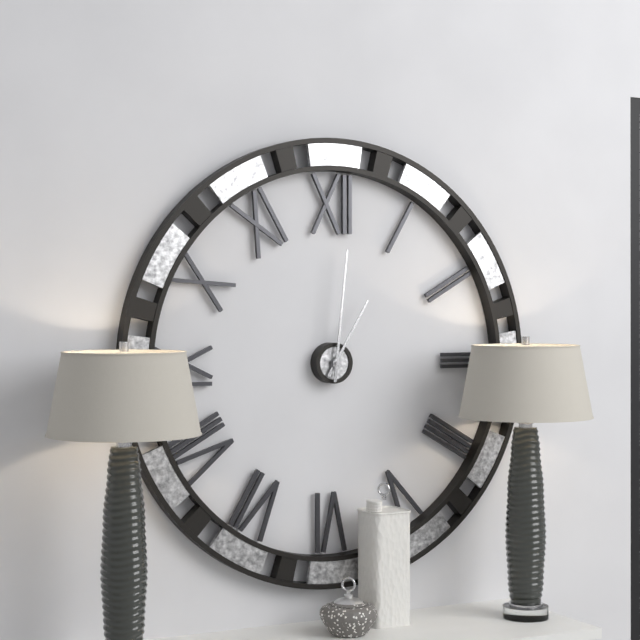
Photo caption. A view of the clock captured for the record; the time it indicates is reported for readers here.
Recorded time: 1:01
